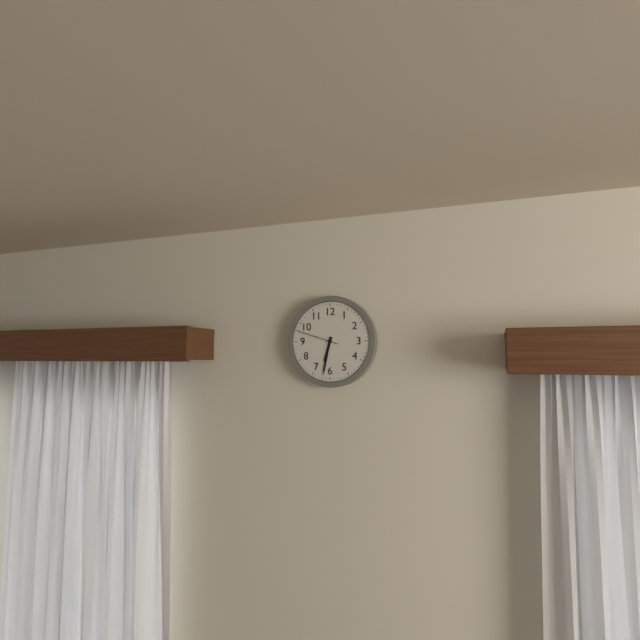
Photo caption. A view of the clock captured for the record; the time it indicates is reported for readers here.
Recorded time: 6:32
